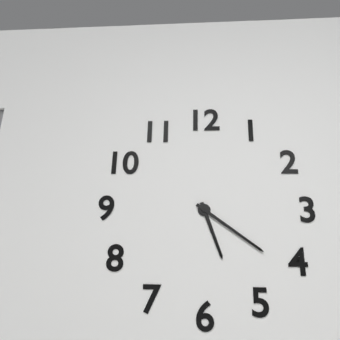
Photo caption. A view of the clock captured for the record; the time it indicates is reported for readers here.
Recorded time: 5:21
